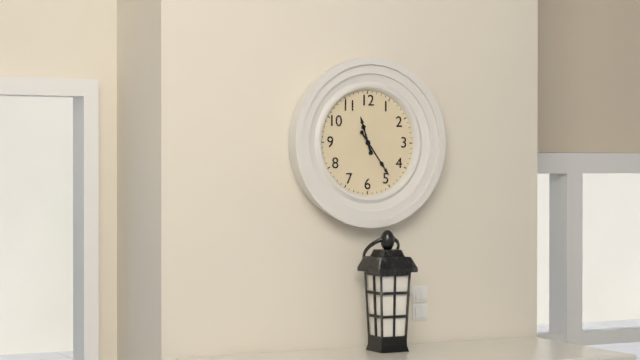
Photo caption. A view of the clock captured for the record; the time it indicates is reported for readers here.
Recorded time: 11:24
